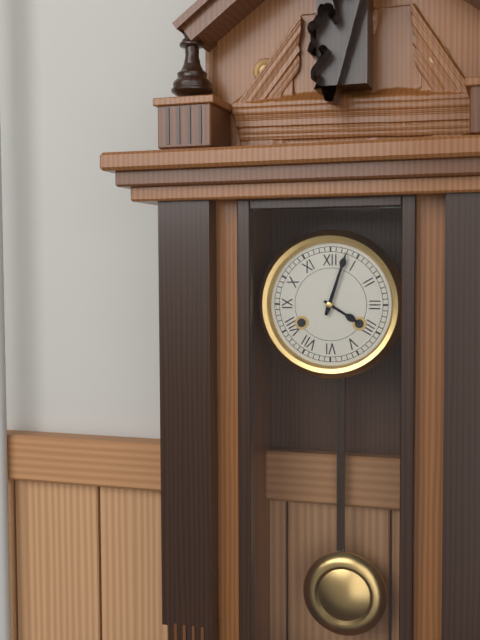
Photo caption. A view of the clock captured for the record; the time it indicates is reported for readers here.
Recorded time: 4:03
